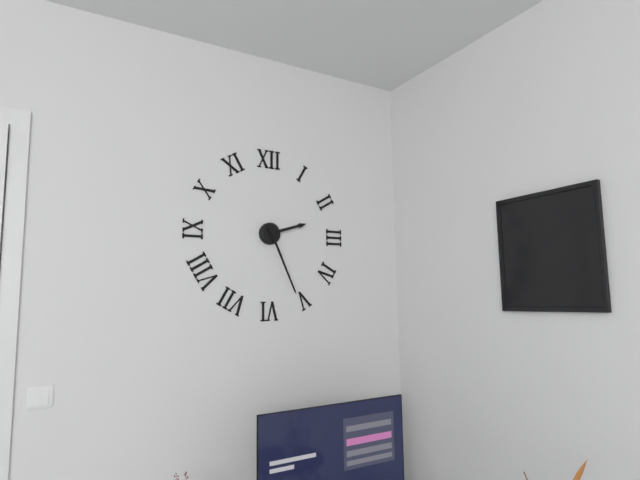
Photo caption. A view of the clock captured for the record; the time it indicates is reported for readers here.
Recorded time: 2:26
